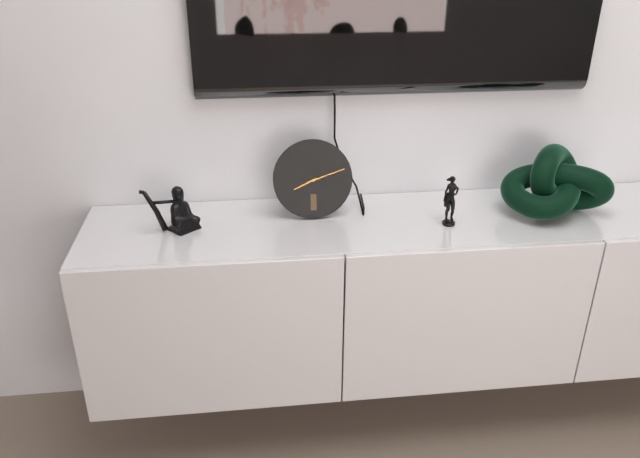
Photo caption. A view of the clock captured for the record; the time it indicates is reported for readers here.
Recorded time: 8:12
